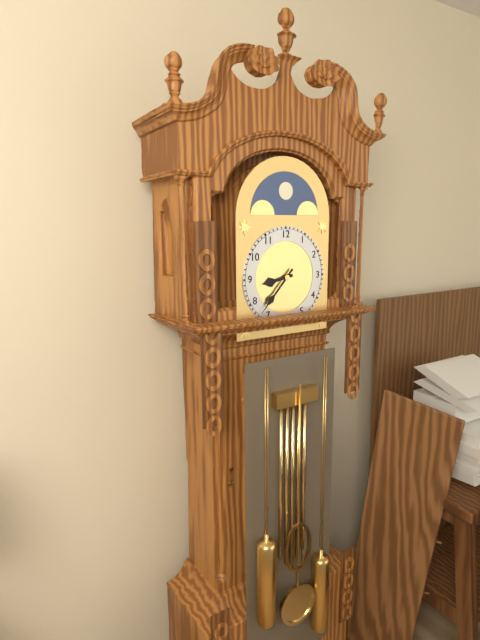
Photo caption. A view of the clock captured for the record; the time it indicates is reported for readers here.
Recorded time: 8:37
